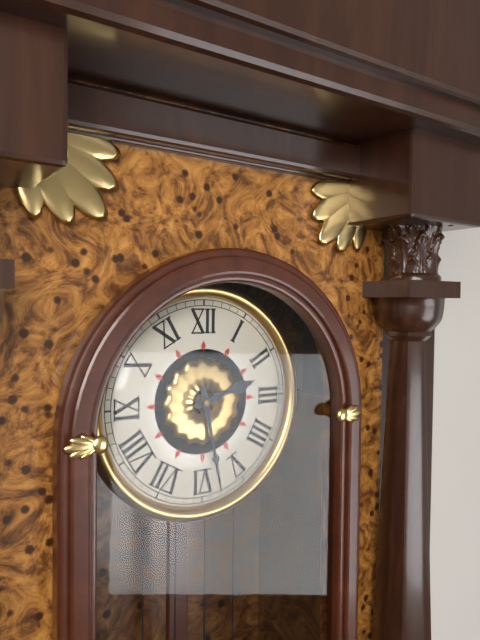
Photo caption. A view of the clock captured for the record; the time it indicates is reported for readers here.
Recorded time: 2:28
